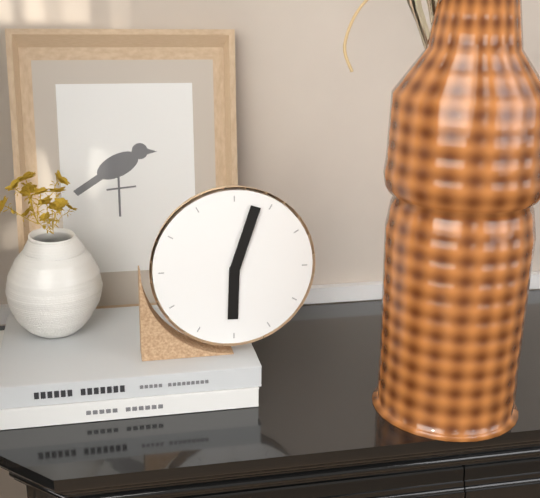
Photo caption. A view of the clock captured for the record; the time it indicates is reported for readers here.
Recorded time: 6:03
